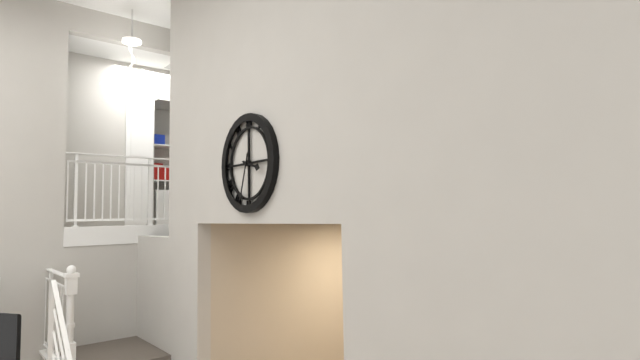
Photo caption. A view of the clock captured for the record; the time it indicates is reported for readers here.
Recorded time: 3:33
